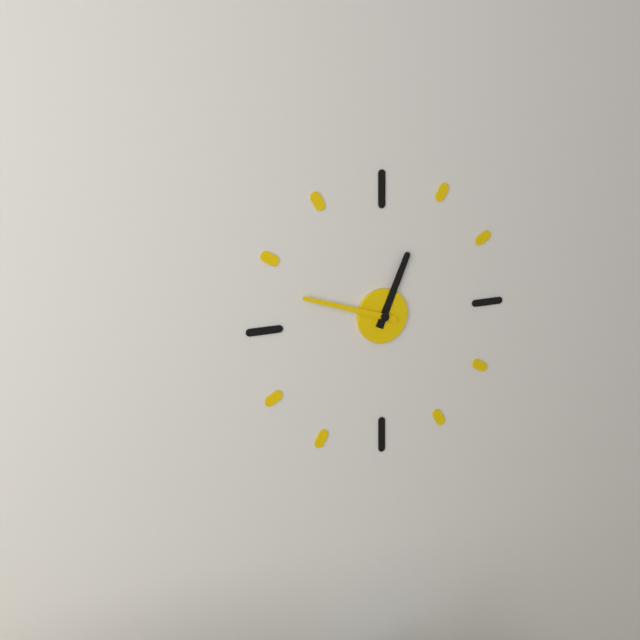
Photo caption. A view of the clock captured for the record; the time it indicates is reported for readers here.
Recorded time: 12:48
